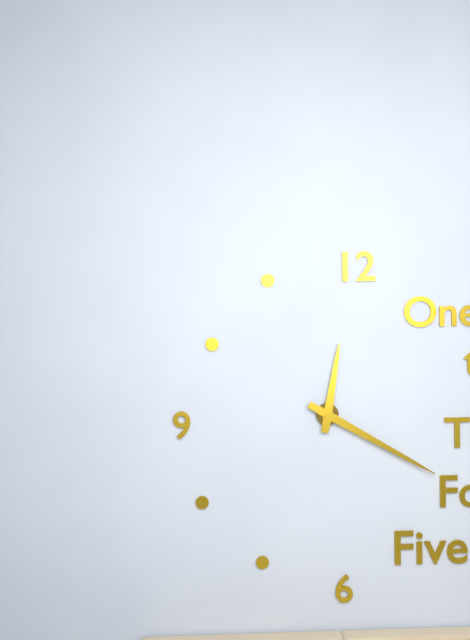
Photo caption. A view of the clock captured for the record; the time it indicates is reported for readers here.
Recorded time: 12:20
